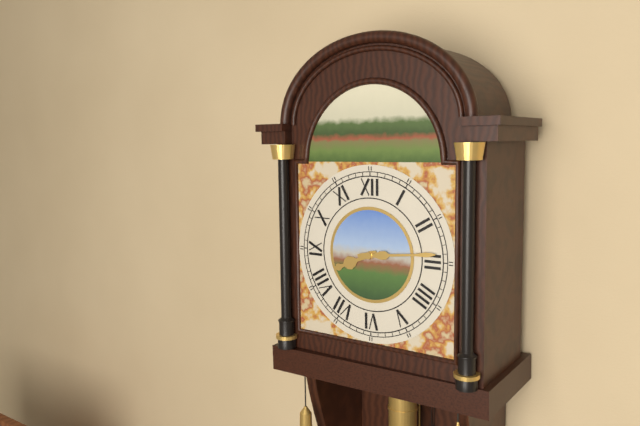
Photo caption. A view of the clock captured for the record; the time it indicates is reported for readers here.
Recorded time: 8:14
